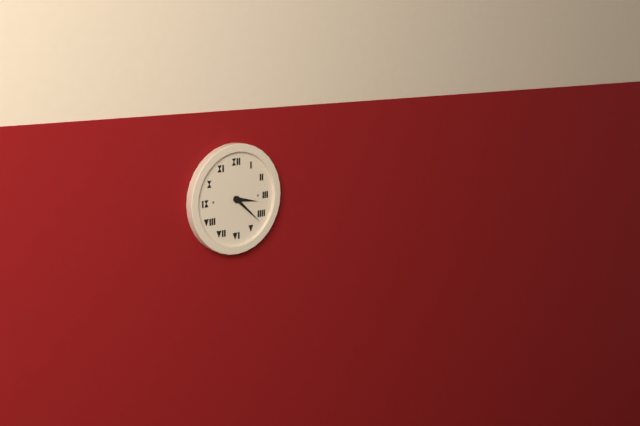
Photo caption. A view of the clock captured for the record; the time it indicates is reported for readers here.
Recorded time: 3:22
